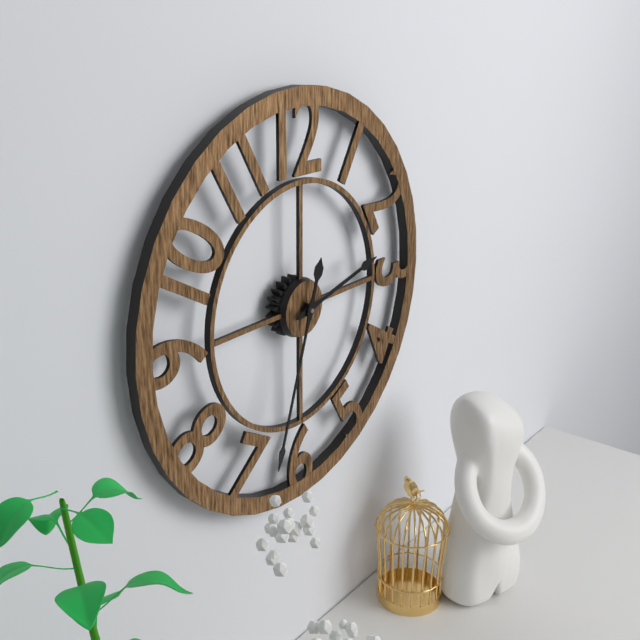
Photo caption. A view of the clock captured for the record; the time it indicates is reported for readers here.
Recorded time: 2:33
